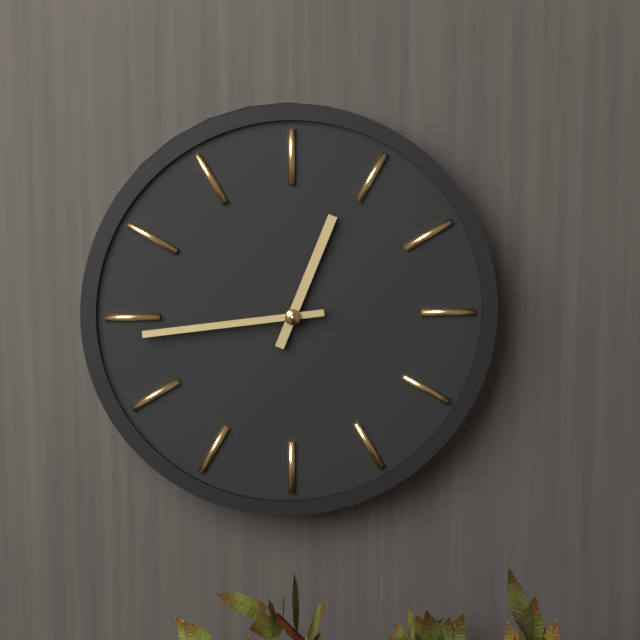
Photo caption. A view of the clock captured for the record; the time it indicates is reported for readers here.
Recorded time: 12:44
